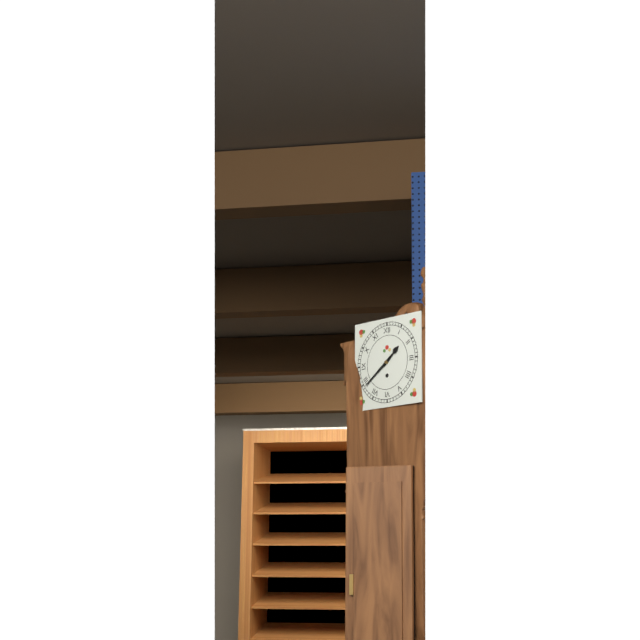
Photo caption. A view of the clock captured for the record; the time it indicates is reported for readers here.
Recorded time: 1:39
